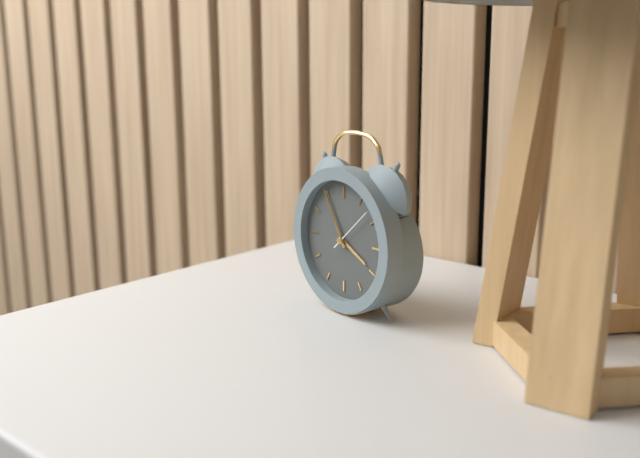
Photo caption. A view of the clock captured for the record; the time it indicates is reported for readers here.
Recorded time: 3:55
